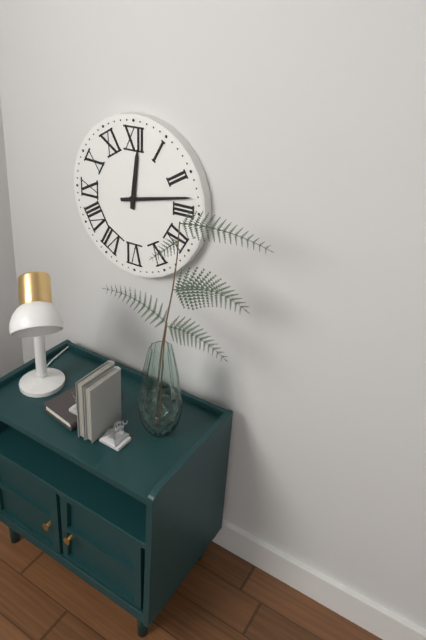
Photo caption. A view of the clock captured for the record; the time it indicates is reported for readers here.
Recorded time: 12:13
